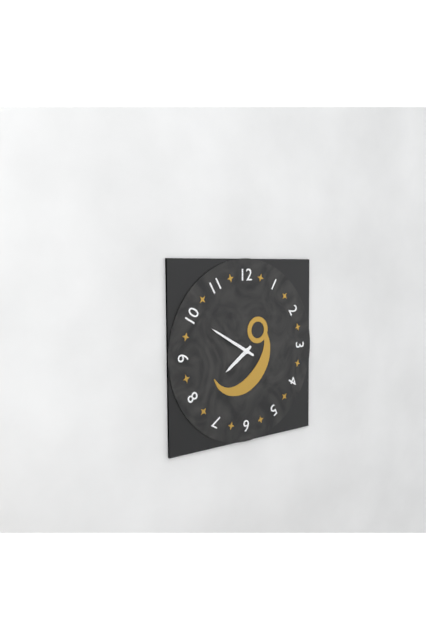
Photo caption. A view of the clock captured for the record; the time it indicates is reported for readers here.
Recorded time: 7:50
